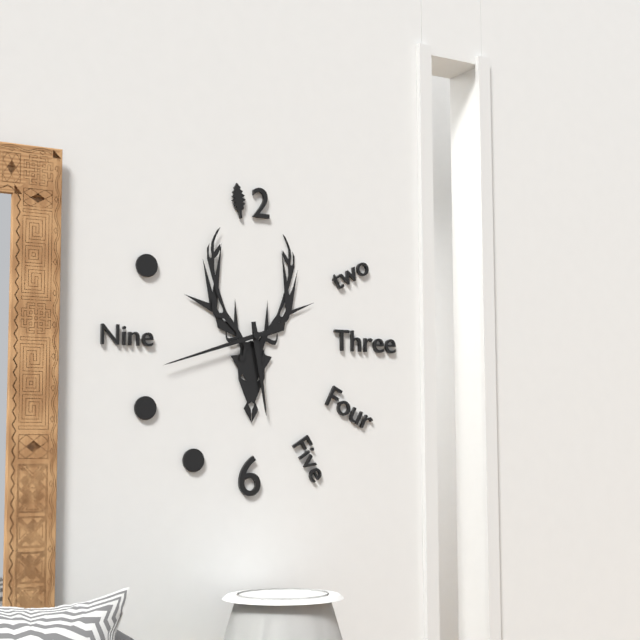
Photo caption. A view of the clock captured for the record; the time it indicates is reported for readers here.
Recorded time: 5:42
